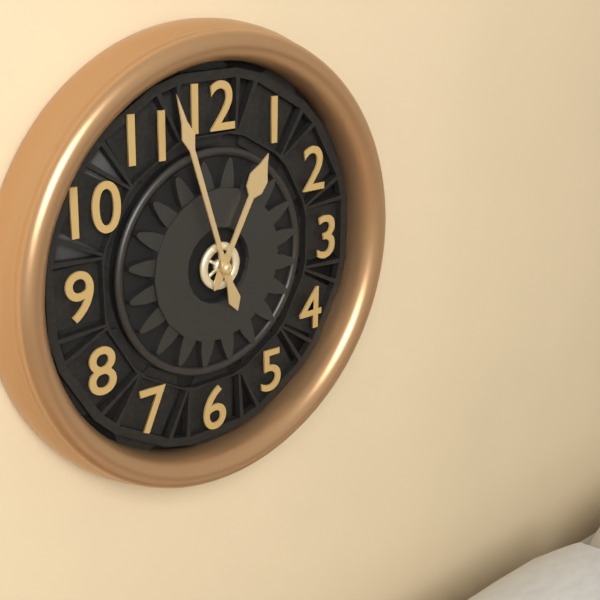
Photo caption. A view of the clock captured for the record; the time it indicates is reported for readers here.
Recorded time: 12:57
